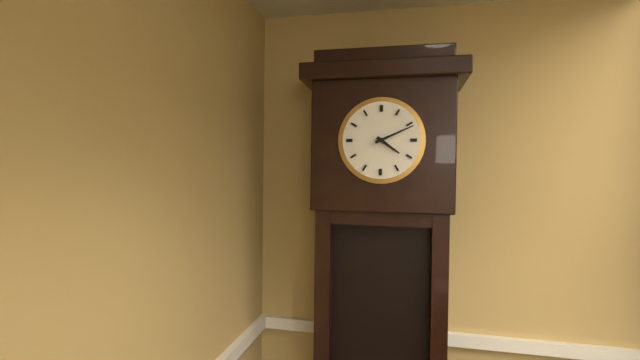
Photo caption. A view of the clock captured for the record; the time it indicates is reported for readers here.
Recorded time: 4:11
